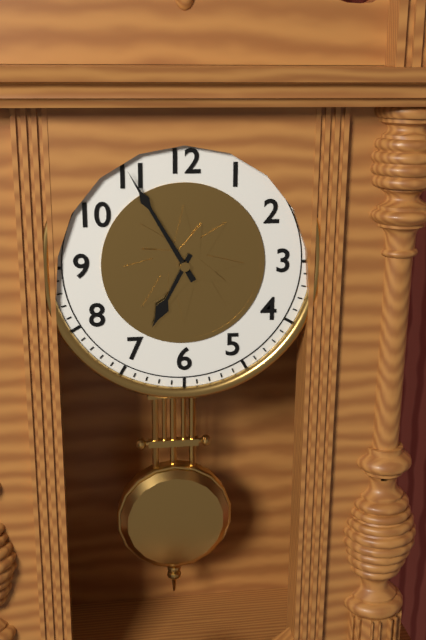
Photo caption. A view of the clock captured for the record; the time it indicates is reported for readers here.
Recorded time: 6:55
